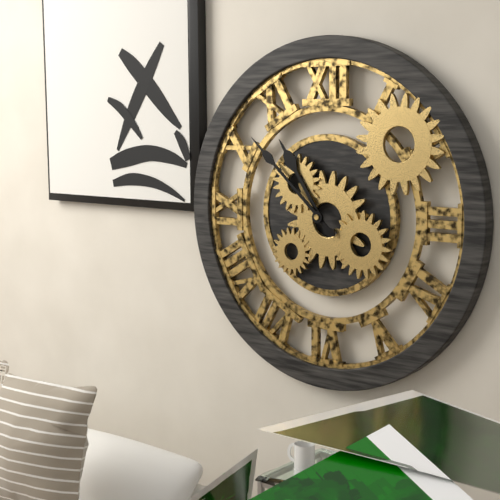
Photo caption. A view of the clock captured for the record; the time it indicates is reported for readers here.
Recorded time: 10:52
